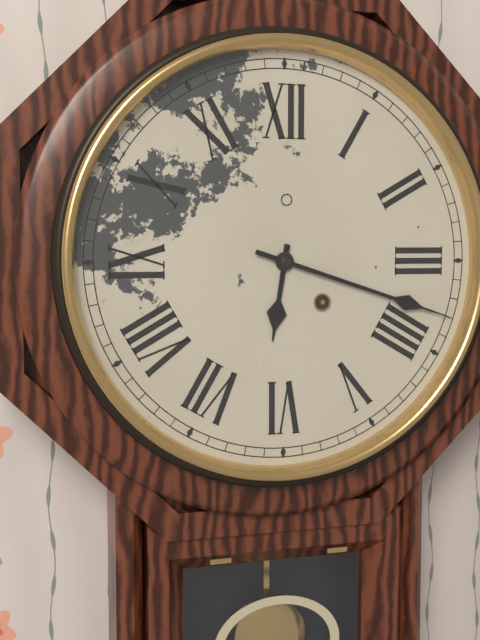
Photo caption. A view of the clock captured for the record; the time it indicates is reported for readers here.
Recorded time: 6:18
